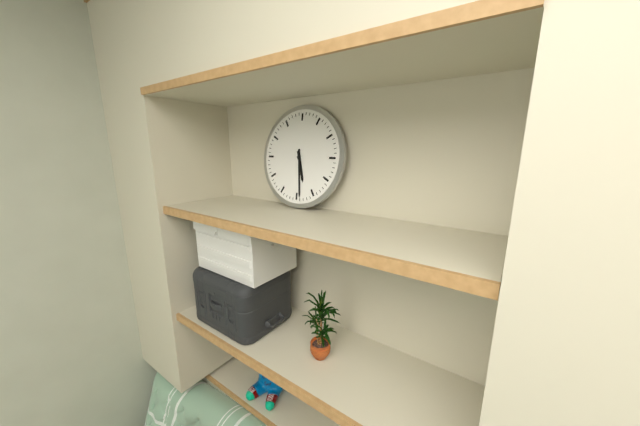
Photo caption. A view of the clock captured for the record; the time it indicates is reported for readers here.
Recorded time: 5:29
